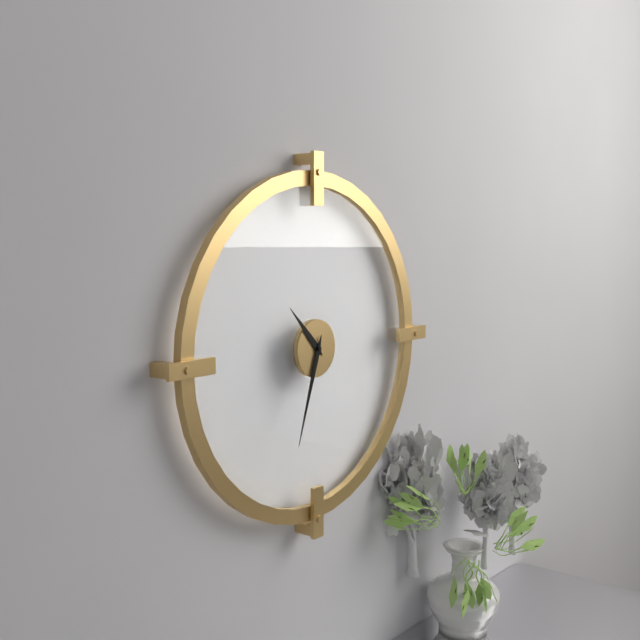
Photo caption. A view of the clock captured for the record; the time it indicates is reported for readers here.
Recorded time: 10:33
